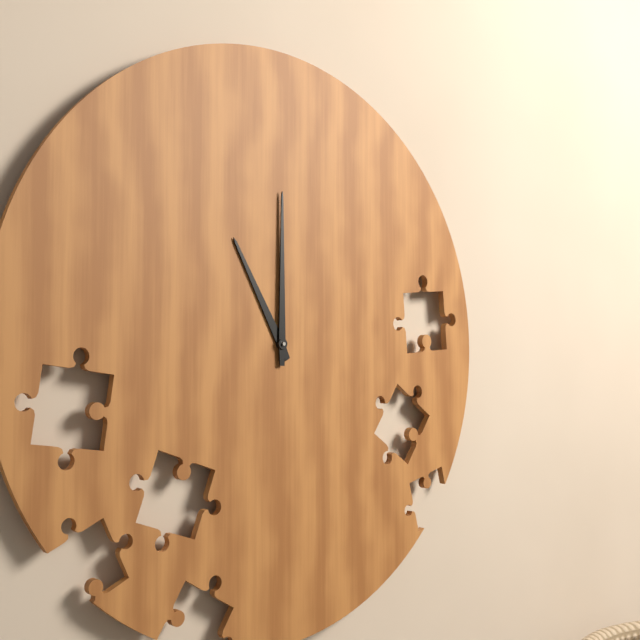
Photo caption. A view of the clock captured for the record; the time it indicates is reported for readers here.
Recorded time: 11:00
